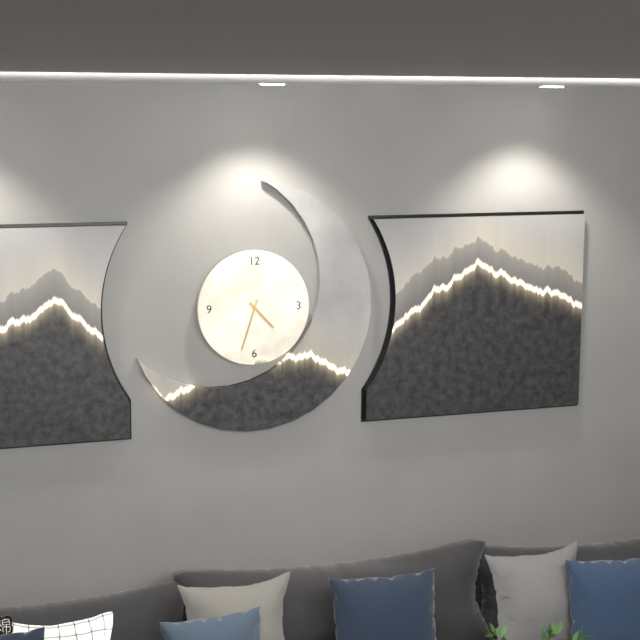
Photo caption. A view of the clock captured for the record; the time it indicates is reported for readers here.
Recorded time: 4:33
